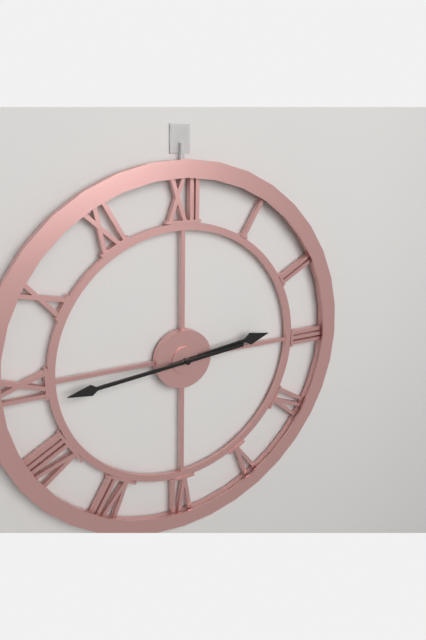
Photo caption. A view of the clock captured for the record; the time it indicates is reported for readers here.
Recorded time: 2:44
